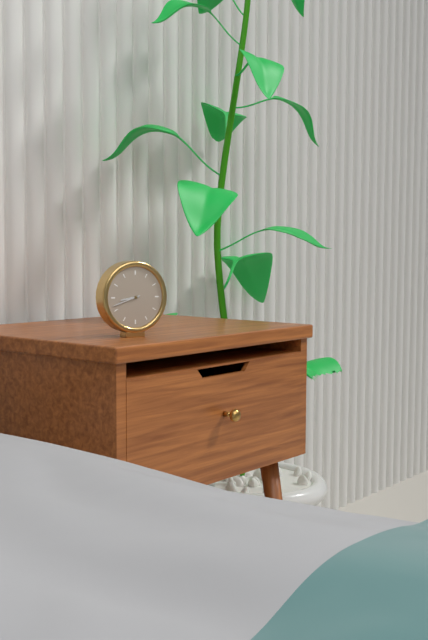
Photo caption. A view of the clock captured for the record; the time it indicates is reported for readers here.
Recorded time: 8:42
